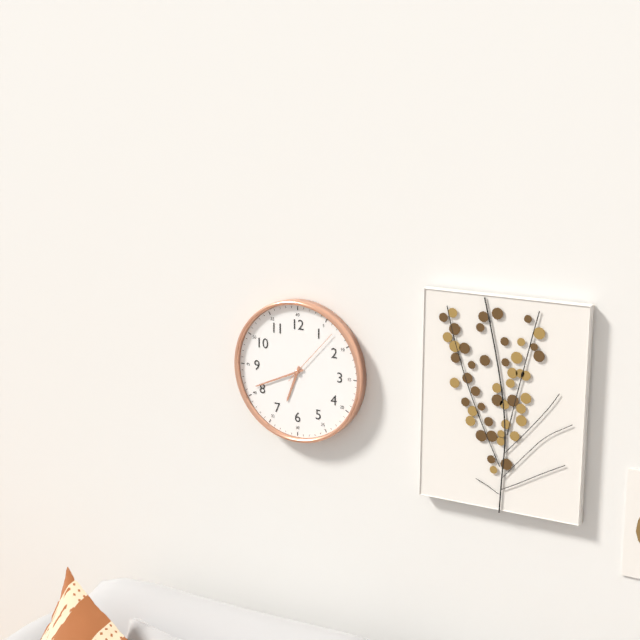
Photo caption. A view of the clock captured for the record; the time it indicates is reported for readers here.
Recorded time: 6:41:07
